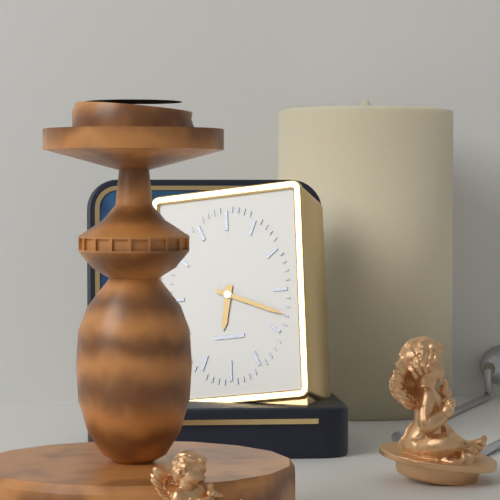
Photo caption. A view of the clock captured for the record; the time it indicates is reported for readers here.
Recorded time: 6:19
